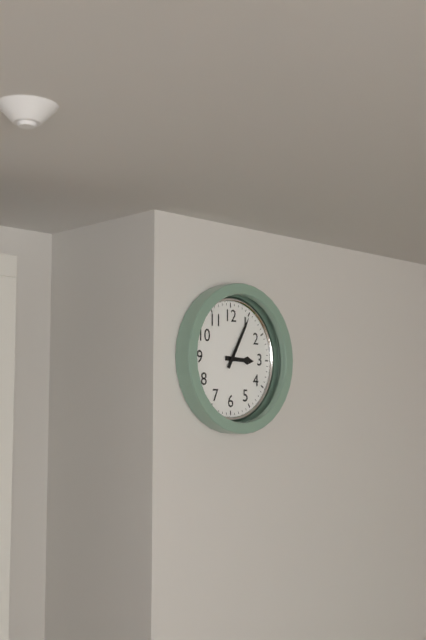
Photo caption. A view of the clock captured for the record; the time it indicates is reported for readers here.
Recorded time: 3:05
